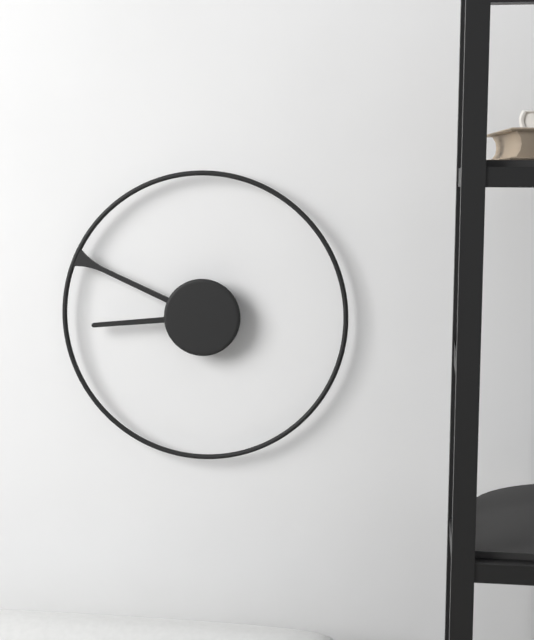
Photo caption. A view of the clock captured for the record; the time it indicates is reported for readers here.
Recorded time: 8:49
